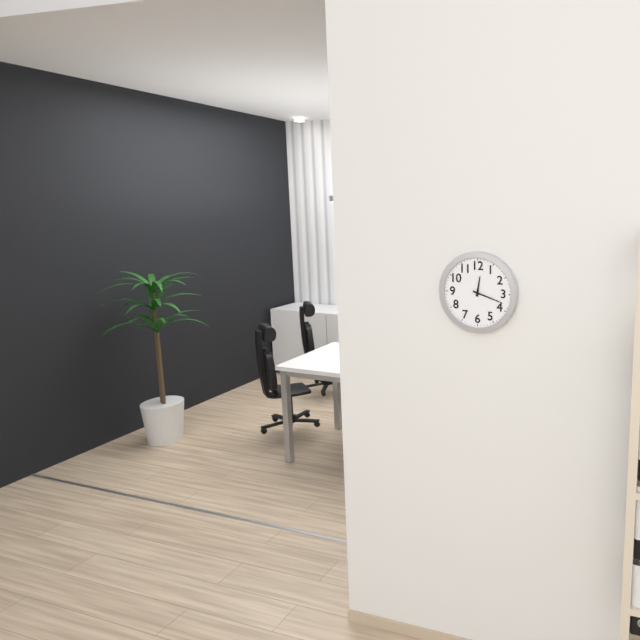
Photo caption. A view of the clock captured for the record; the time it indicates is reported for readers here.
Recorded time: 12:18
